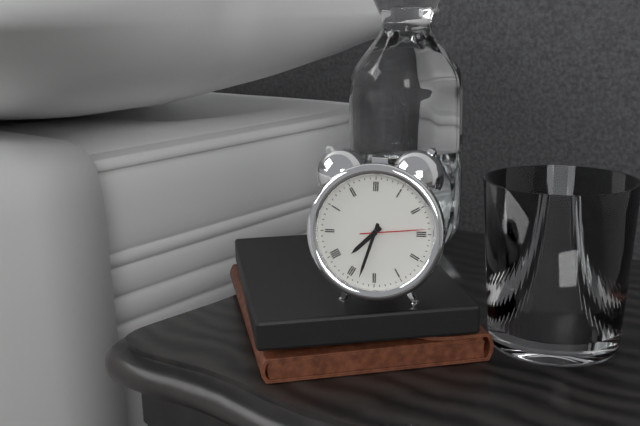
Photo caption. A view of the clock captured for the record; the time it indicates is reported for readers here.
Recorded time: 7:33:14
